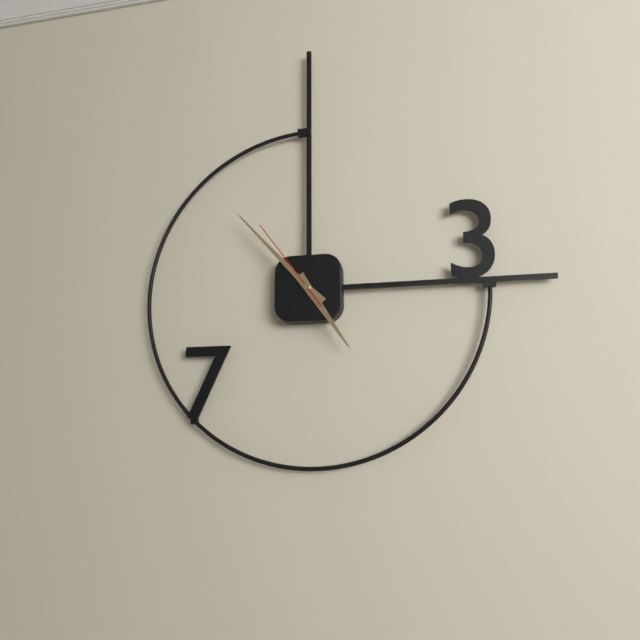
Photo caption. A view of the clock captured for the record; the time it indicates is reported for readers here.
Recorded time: 4:53:54
